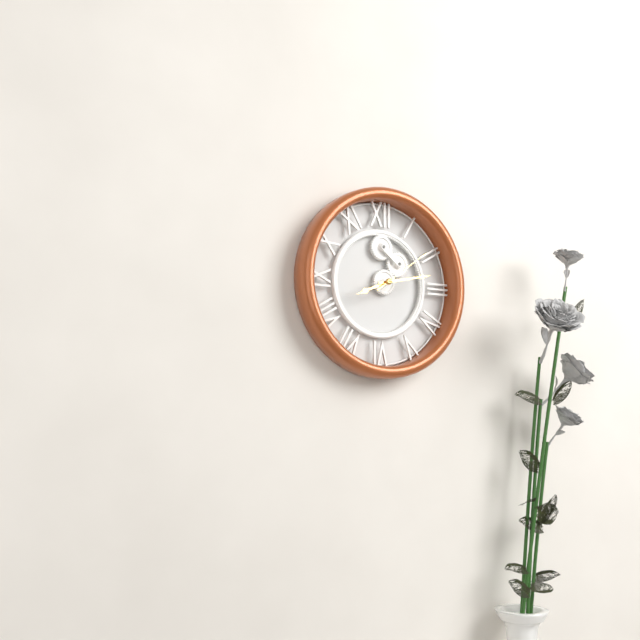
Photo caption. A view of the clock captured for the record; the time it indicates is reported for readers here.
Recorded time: 8:13:09
